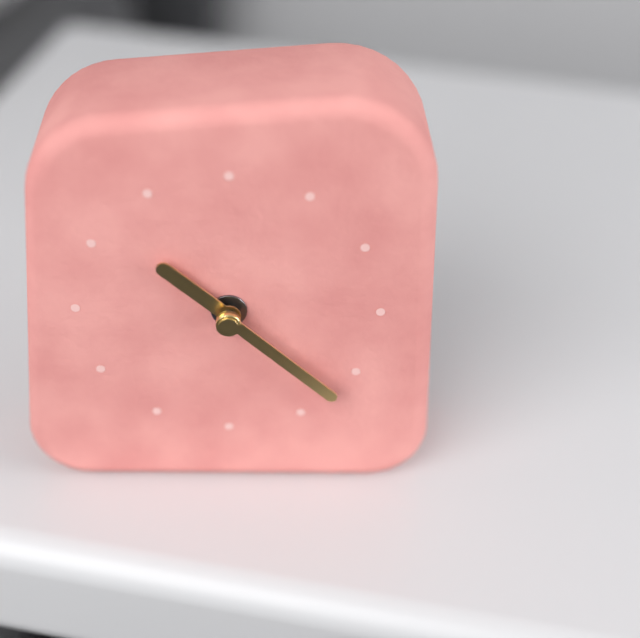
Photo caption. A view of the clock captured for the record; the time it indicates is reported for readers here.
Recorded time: 10:22
